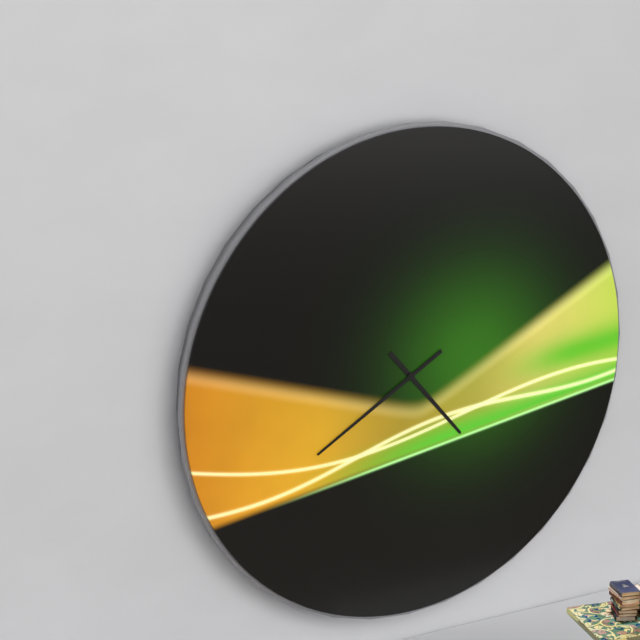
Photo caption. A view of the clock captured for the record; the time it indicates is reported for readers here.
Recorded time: 4:40
